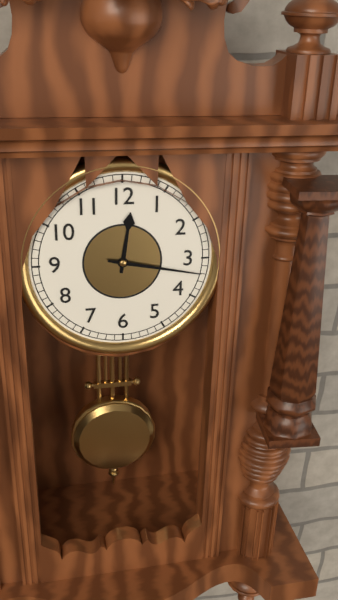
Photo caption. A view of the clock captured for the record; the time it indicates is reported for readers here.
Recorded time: 12:17
